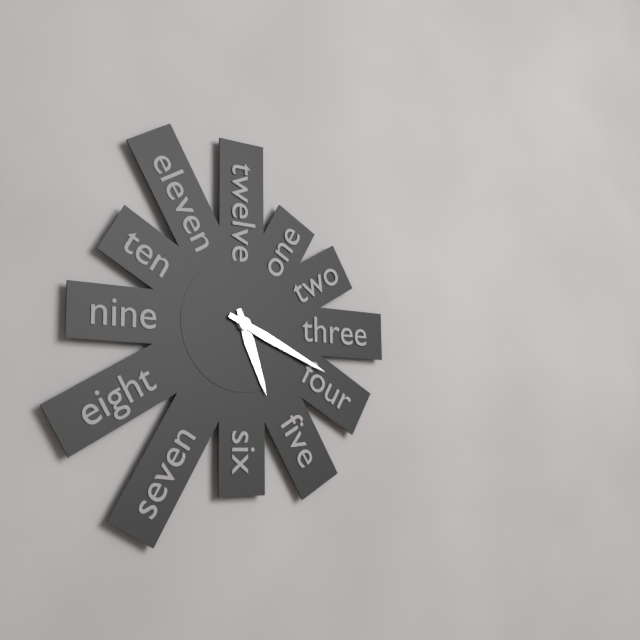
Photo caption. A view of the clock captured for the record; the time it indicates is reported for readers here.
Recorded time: 5:19
